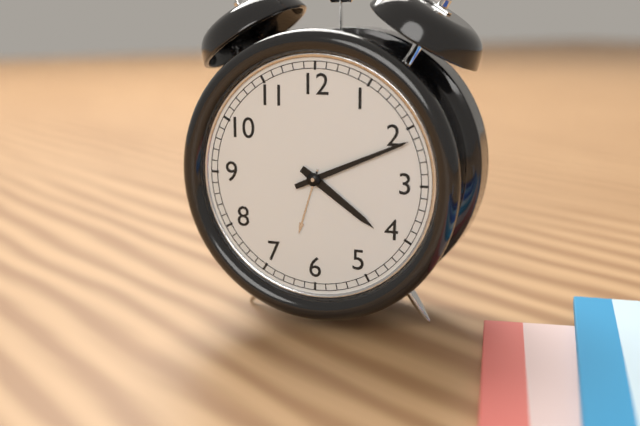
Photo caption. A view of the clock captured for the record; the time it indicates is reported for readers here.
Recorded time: 4:11
